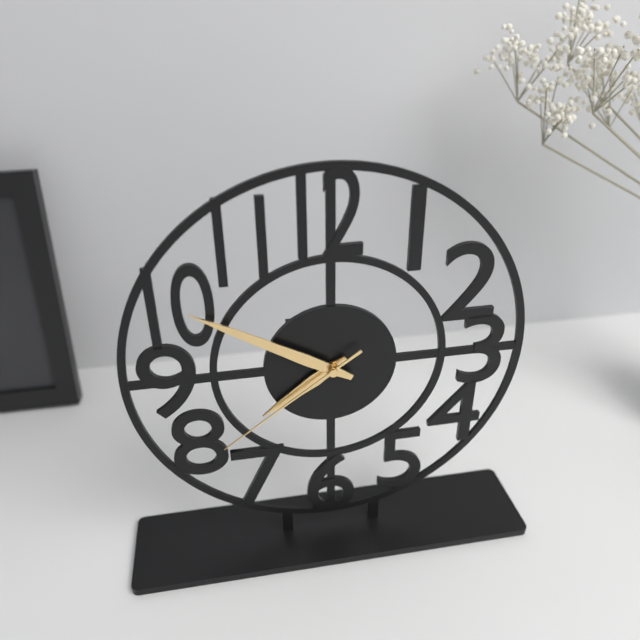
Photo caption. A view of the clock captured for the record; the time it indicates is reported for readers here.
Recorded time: 7:50:39
